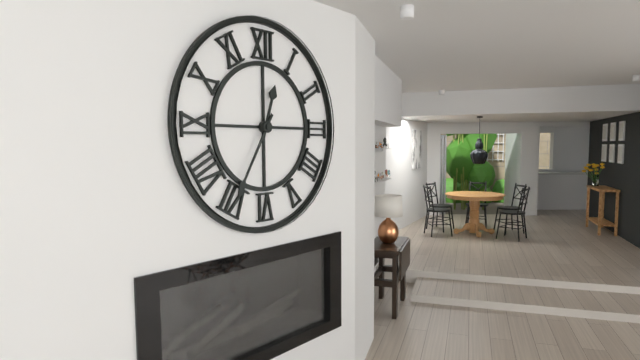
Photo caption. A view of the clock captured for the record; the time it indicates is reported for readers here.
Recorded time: 12:35
